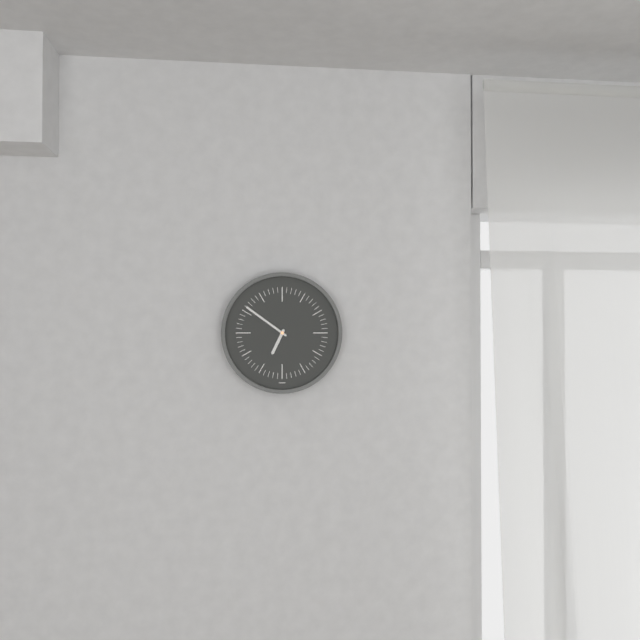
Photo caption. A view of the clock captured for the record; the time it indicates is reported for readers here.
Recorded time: 6:51
